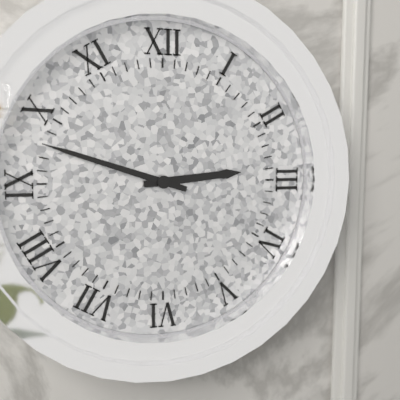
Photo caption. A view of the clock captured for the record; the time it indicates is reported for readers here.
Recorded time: 2:48
